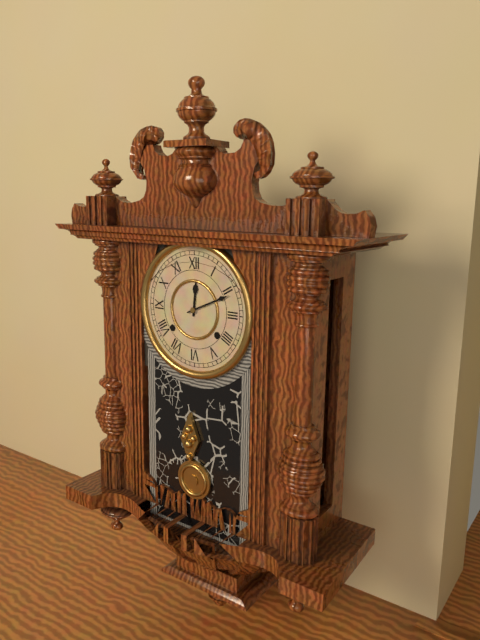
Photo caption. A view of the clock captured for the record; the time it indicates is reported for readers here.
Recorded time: 12:11
